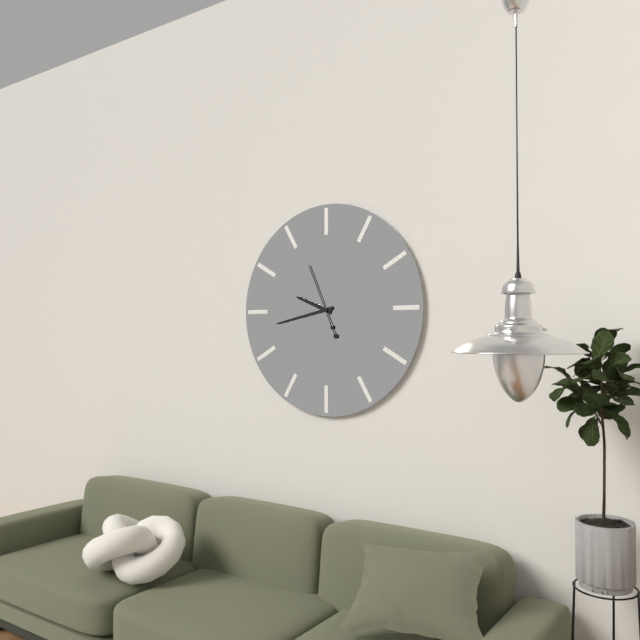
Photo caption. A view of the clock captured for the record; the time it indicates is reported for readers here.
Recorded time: 9:43:56
